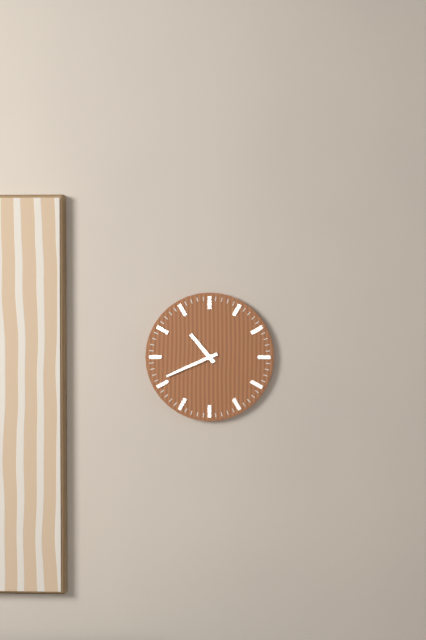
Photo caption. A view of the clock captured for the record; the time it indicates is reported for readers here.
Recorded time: 10:41
